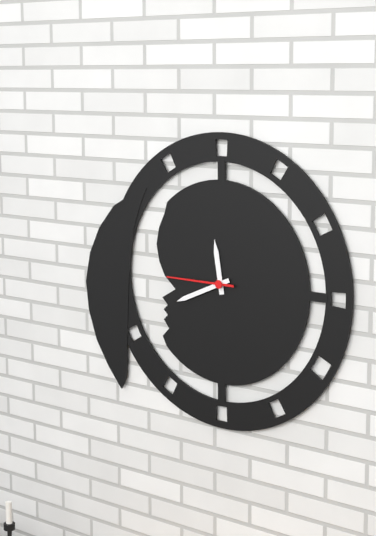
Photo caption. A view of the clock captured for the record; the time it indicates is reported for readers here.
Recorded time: 11:41:45
